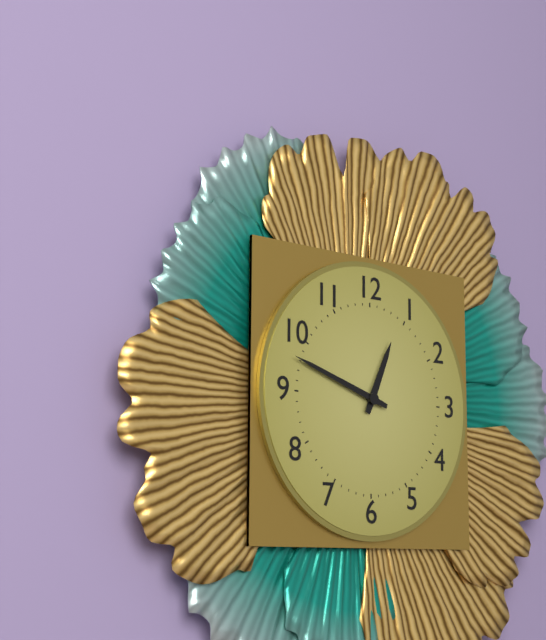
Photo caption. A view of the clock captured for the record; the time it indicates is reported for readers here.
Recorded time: 12:48
